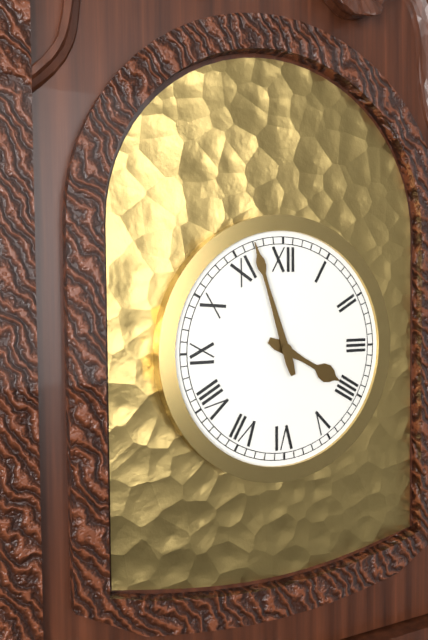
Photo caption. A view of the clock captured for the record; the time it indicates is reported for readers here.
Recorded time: 3:57
